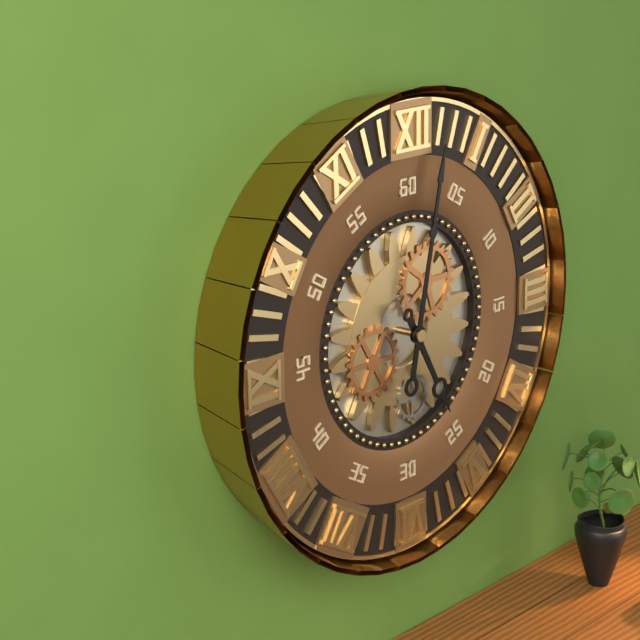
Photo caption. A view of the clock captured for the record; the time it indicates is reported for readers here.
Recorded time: 5:02
